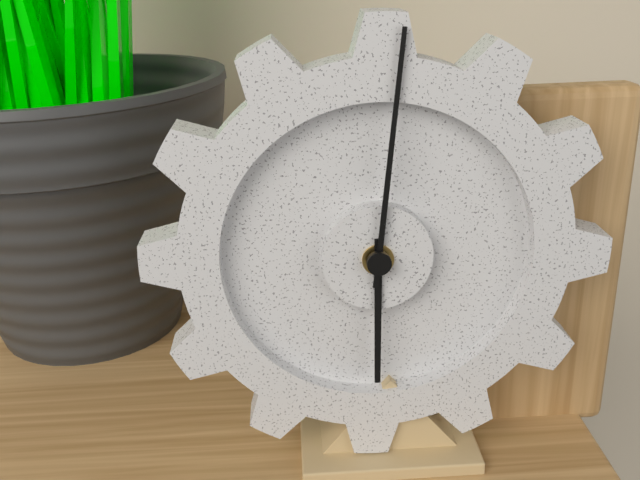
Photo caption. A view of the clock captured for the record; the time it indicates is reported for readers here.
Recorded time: 6:01
